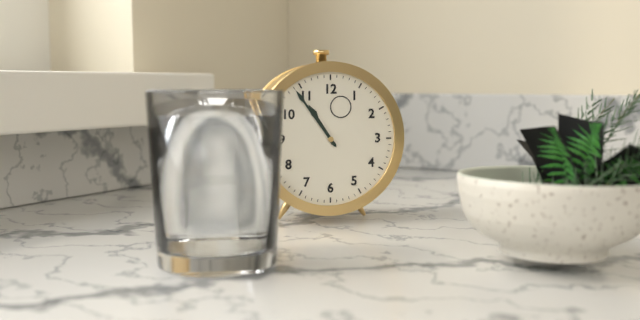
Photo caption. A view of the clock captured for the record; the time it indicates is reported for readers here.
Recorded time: 10:54
